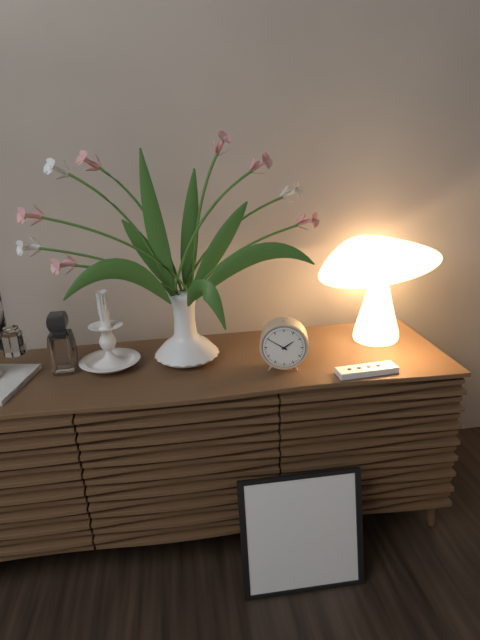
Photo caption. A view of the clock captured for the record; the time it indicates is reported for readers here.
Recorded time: 1:50
